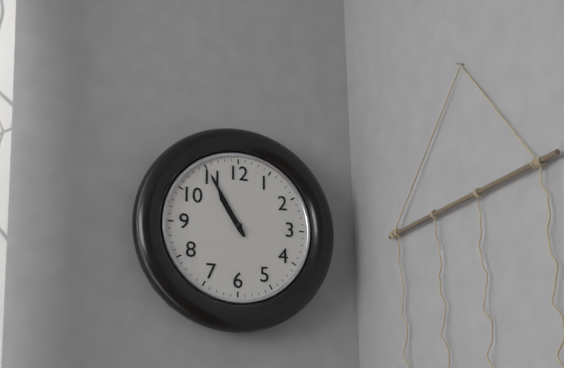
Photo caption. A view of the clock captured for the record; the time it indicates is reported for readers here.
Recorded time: 10:55
